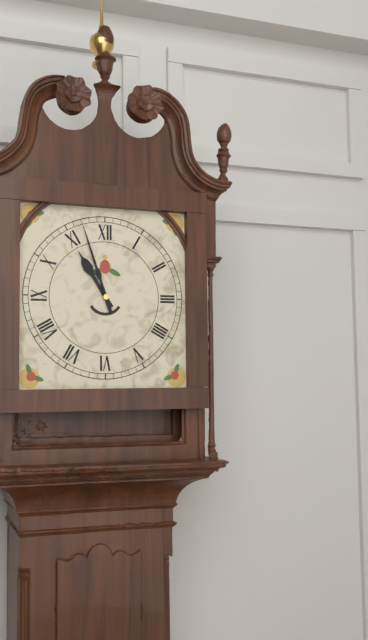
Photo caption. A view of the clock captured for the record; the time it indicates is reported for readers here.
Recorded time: 10:57
